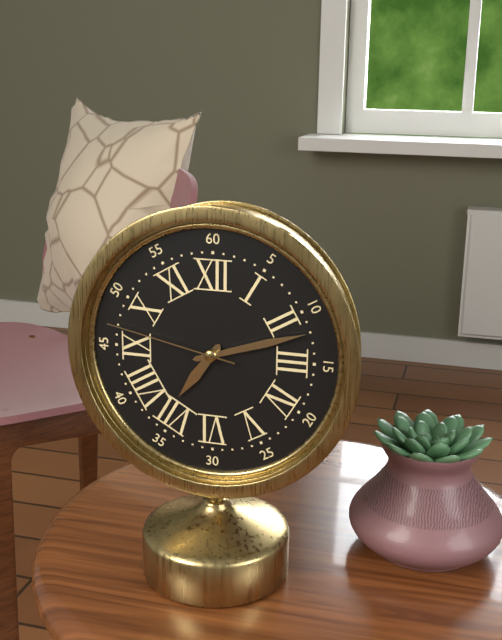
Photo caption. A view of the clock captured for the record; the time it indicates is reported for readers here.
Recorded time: 7:12:47
